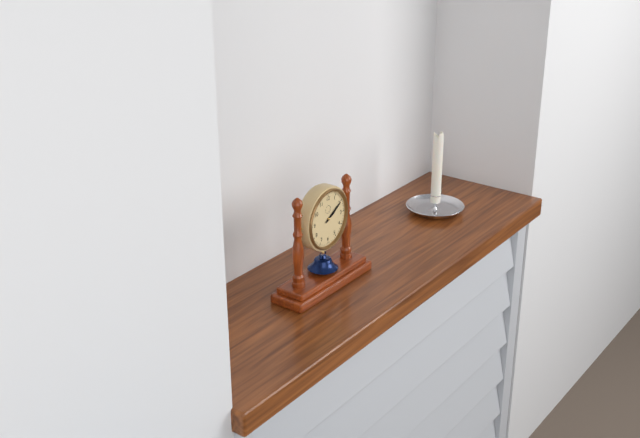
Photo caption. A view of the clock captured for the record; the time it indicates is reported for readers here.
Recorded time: 2:10
